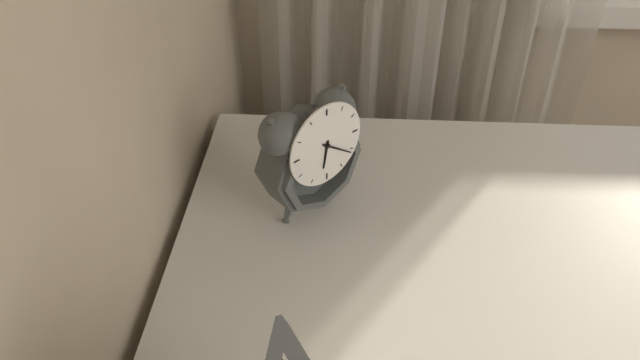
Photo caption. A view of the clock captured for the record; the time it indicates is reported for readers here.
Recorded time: 6:21
